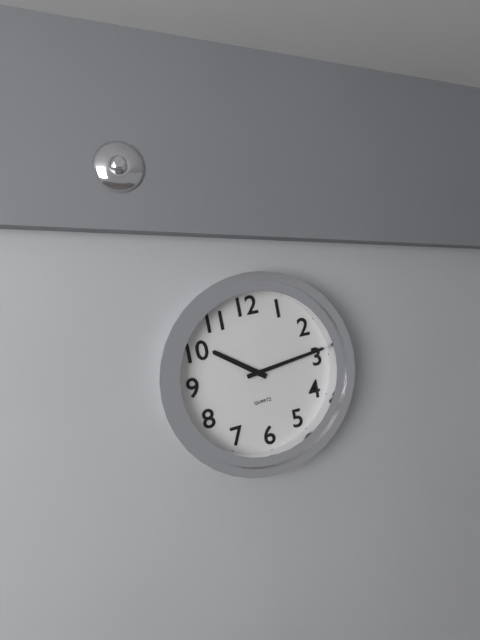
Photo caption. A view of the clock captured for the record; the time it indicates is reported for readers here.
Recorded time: 10:14
